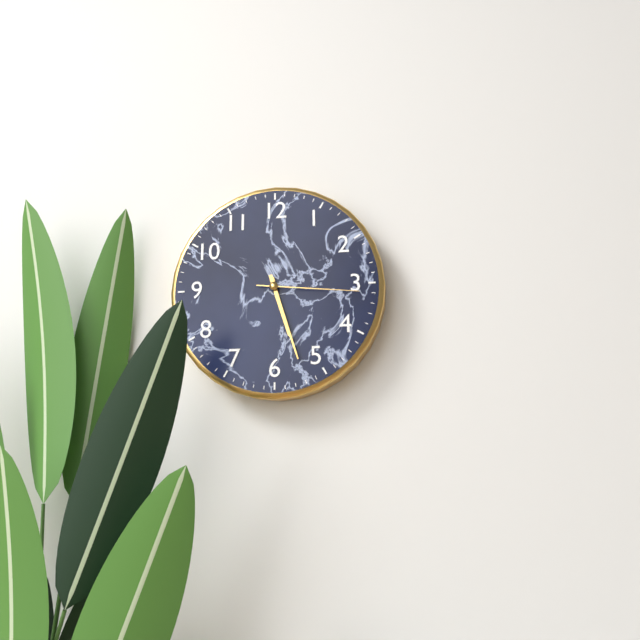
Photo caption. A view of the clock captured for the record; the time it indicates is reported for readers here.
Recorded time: 5:27:16
